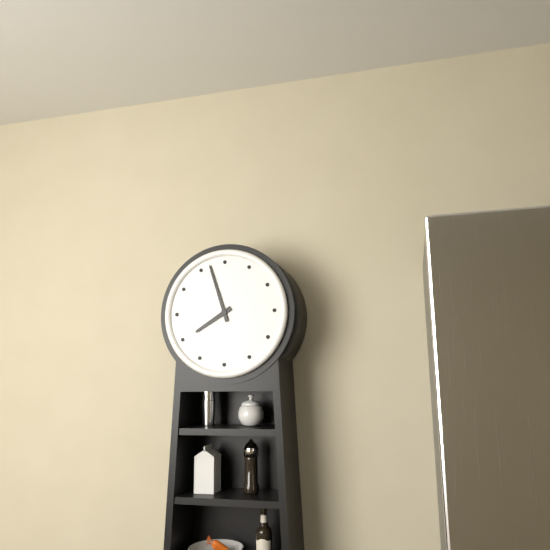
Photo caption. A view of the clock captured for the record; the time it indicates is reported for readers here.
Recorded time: 7:57
